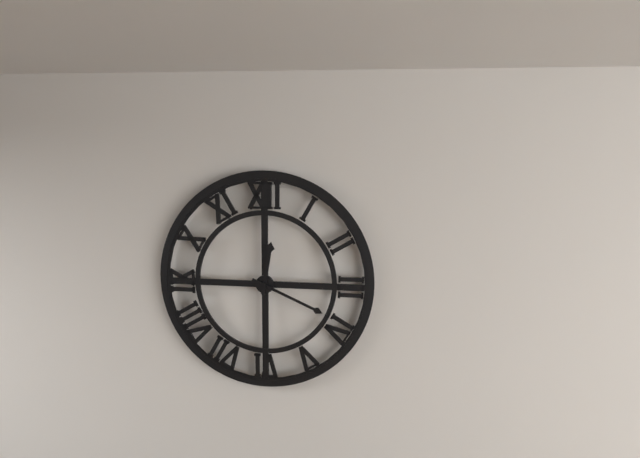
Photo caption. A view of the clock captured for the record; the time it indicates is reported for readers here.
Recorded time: 12:19
